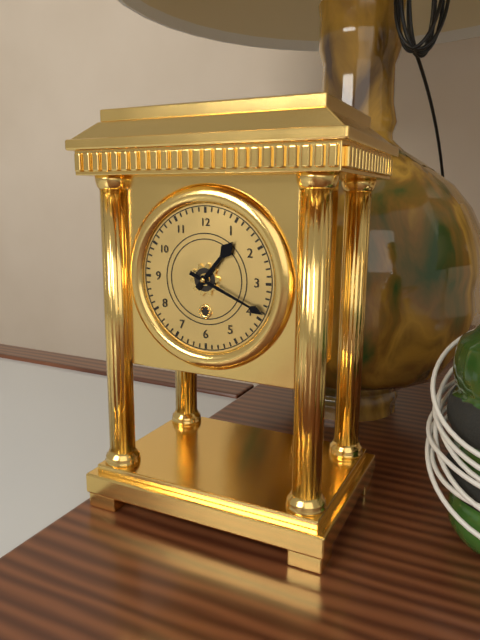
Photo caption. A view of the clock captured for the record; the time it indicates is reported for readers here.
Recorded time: 1:19
